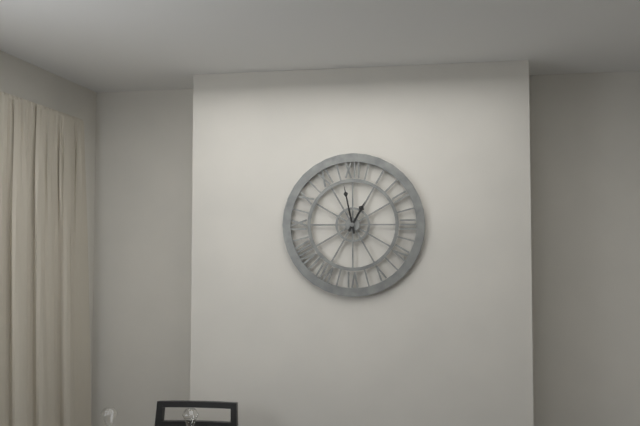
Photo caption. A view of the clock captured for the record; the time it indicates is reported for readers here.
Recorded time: 12:58
